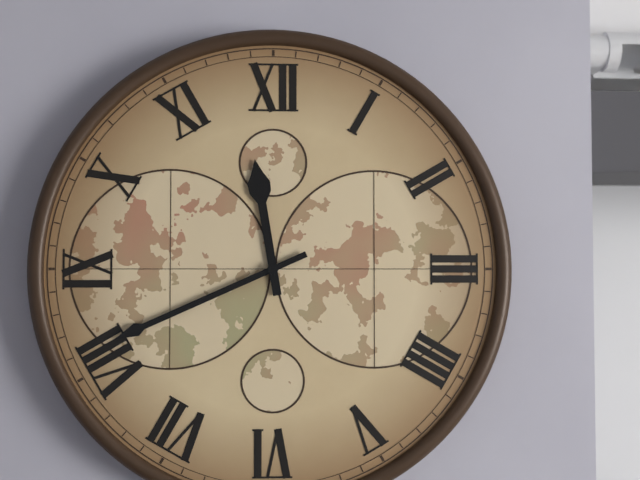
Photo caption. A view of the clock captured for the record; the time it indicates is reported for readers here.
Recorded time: 11:41
